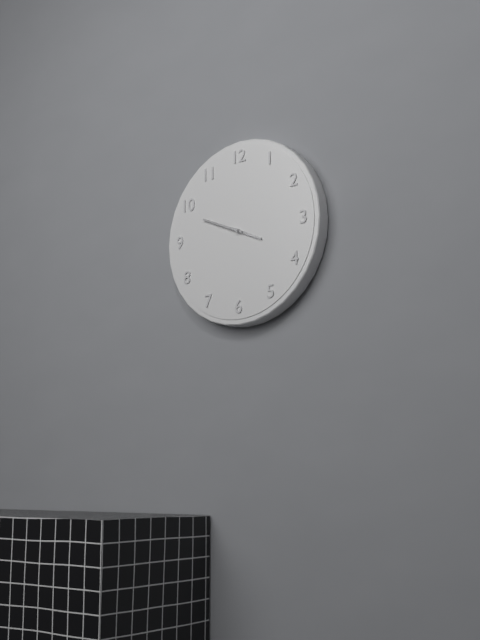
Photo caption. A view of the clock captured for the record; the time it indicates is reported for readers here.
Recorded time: 3:49
